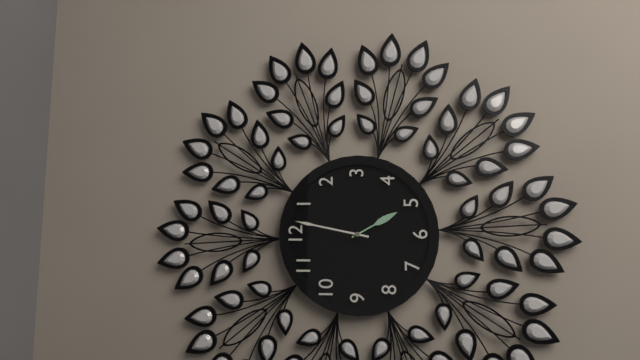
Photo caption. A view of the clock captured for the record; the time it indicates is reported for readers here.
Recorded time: 5:02
